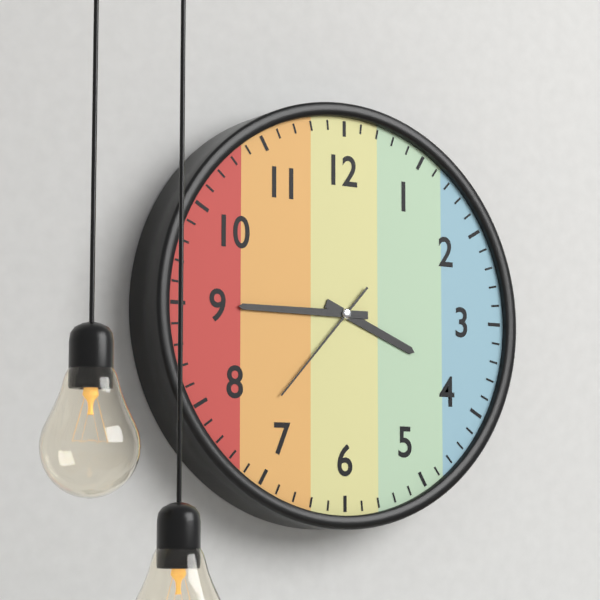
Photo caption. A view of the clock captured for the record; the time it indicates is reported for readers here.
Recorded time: 3:45:37
